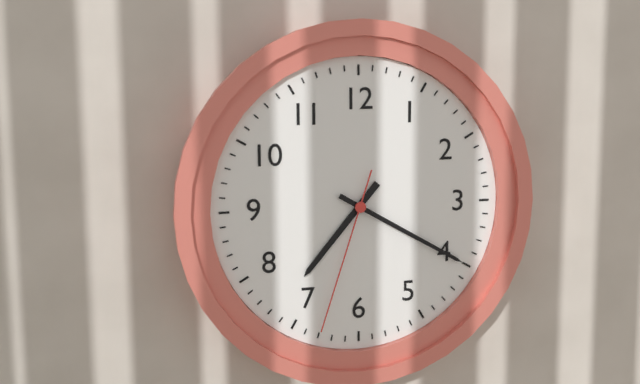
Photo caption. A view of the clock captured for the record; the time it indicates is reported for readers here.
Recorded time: 7:20:33
